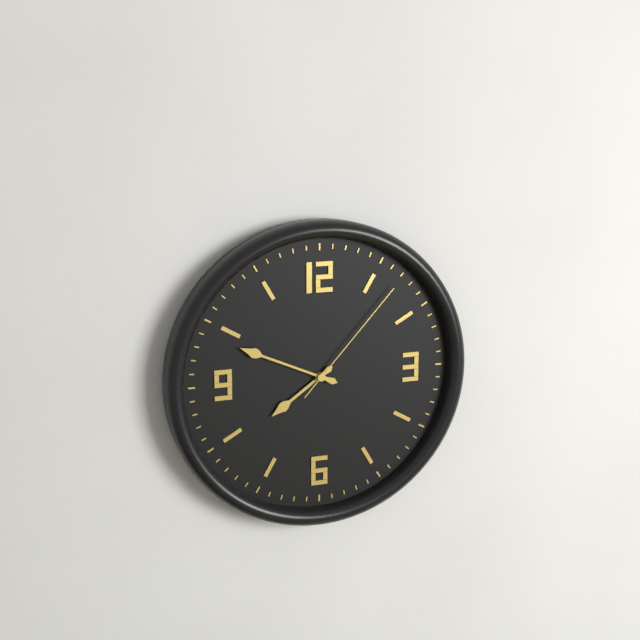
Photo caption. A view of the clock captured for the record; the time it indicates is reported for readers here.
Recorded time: 7:49:07
